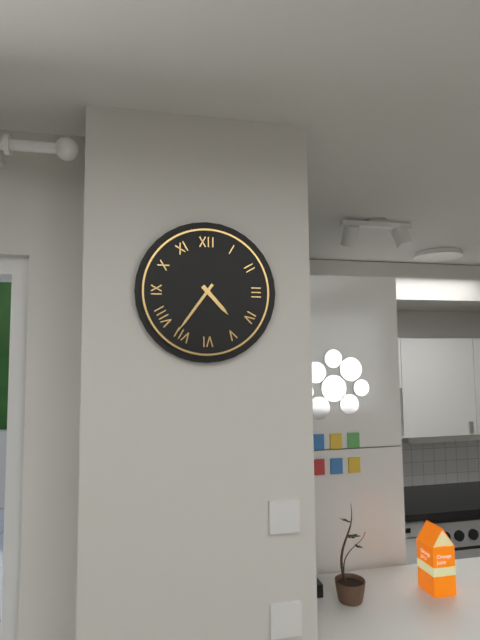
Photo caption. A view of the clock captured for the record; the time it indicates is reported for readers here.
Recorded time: 4:36
